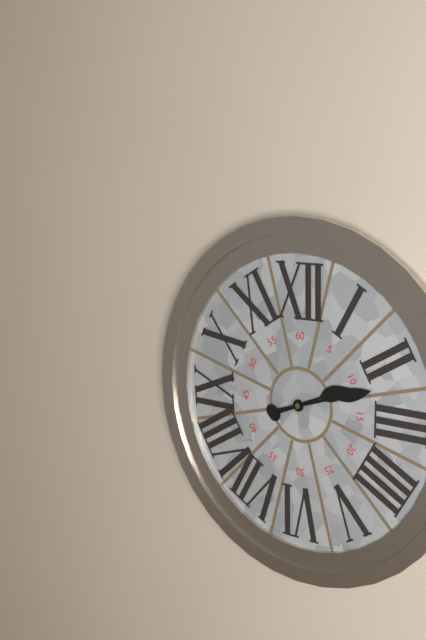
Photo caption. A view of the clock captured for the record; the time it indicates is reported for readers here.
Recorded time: 2:12
